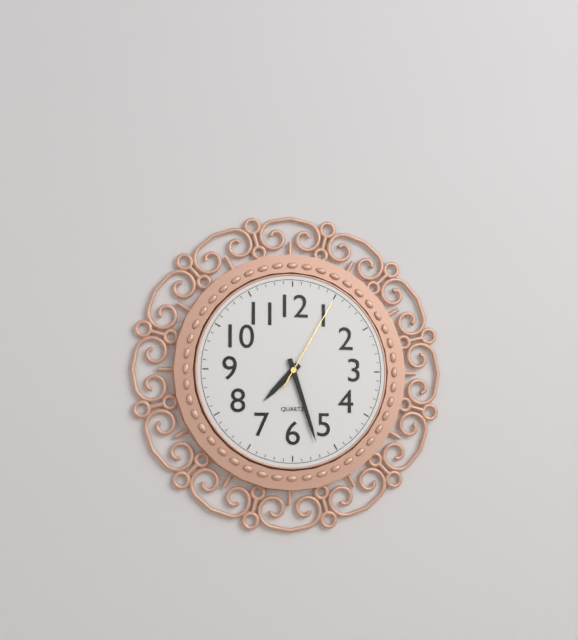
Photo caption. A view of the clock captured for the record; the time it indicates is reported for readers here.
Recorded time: 7:27:05
